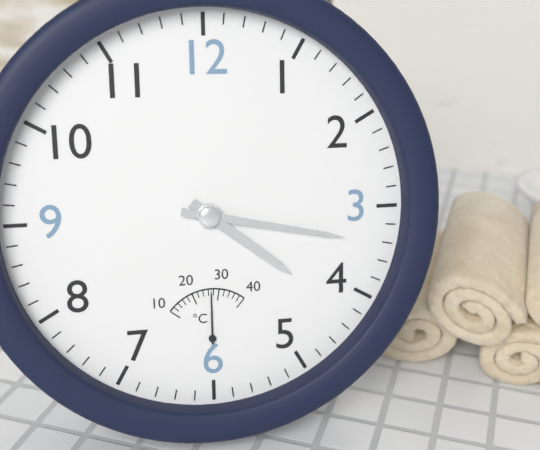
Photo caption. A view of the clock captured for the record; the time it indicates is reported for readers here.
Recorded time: 4:17
